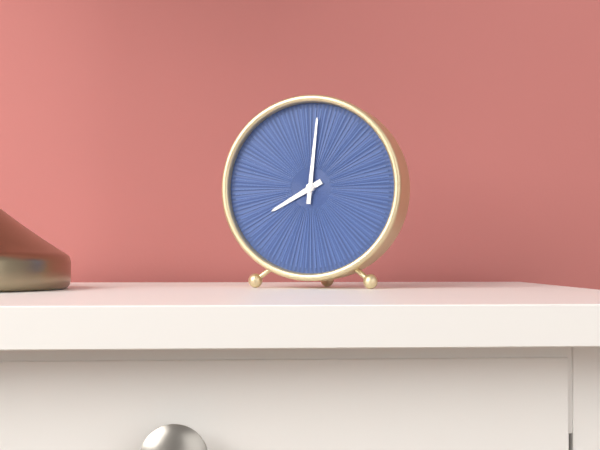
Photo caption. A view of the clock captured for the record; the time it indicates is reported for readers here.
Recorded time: 8:01
